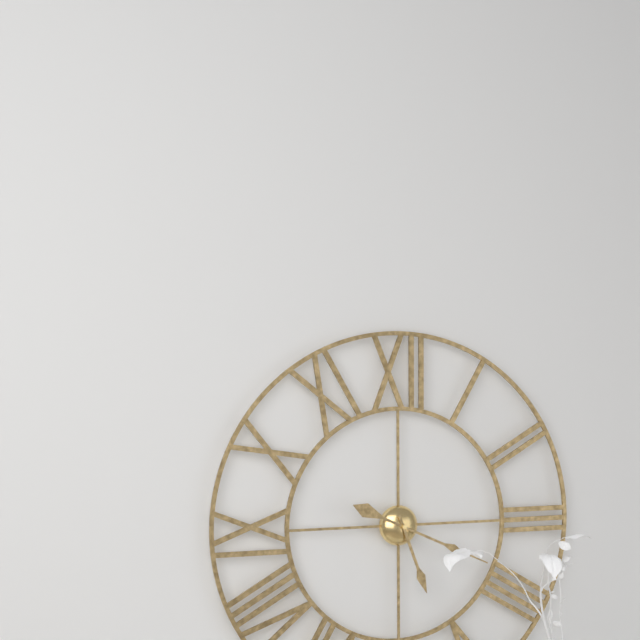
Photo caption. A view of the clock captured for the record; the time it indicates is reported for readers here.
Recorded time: 5:19
